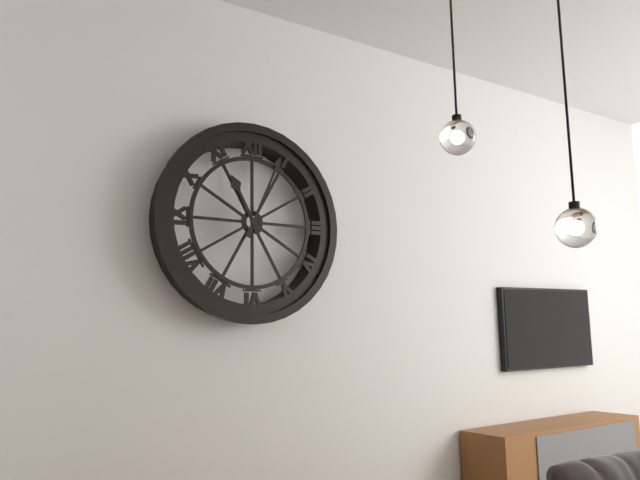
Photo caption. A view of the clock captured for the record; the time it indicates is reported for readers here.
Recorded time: 11:04
